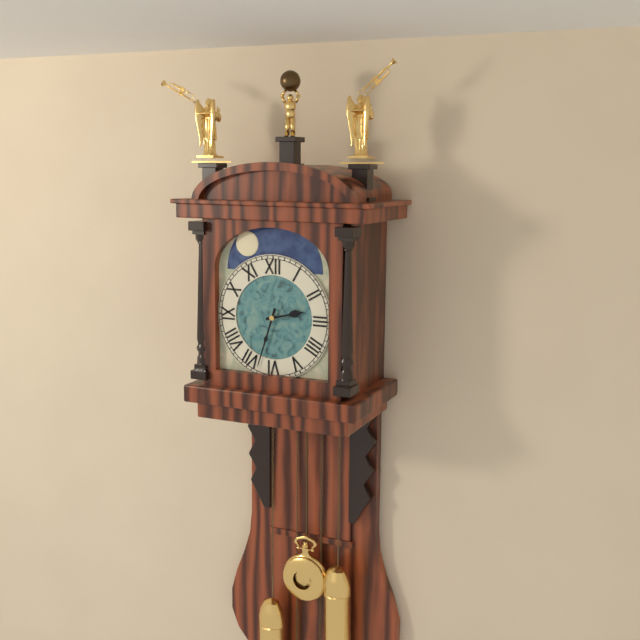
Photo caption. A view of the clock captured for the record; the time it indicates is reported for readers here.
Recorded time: 2:33
